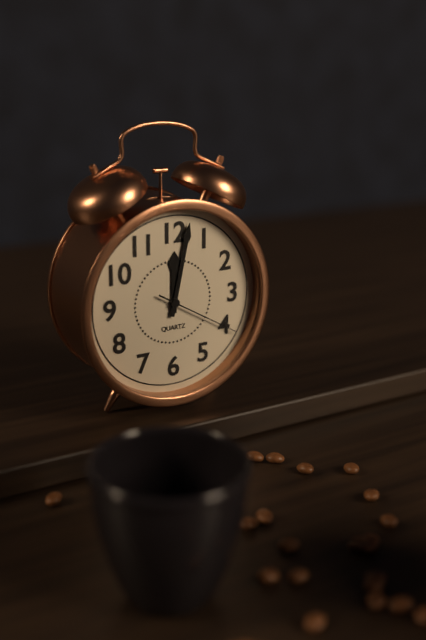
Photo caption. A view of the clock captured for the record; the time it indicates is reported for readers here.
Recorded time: 12:02:20
